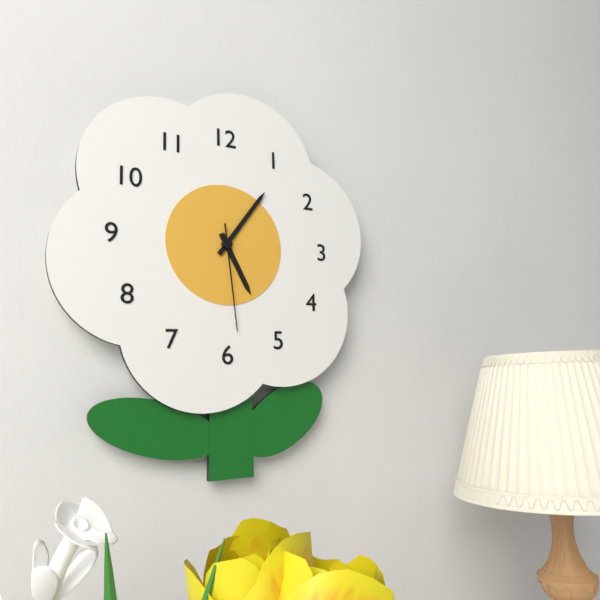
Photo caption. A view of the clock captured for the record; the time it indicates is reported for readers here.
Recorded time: 5:06:29
